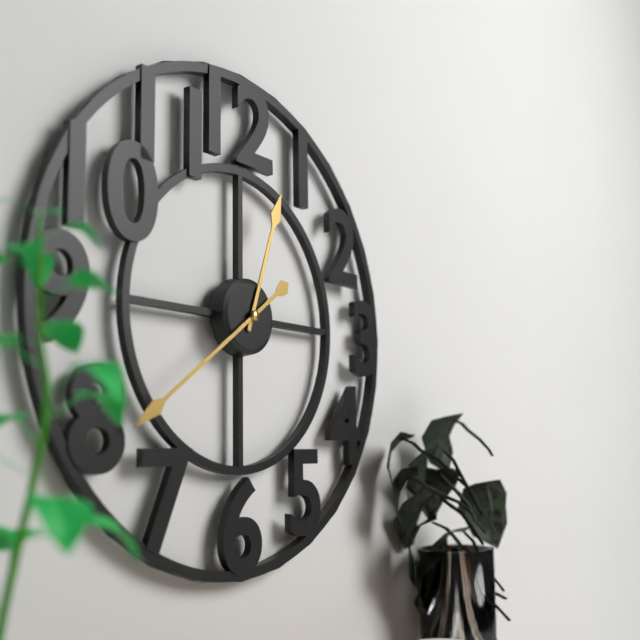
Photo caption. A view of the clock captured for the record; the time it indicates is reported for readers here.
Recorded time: 12:39
